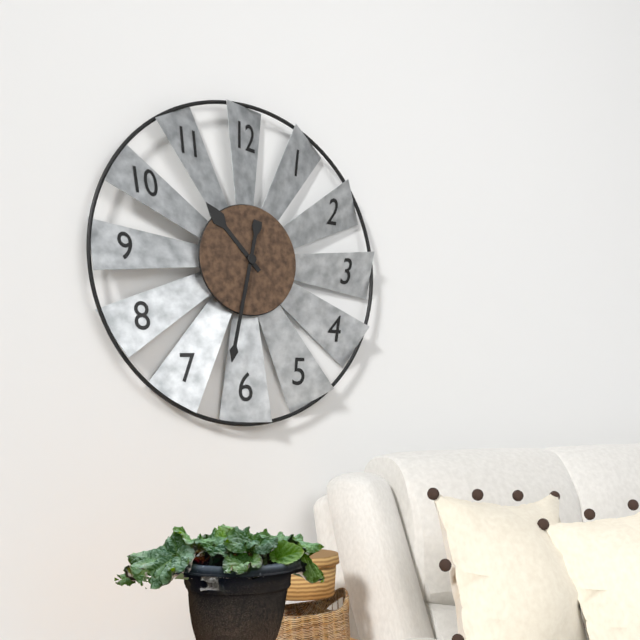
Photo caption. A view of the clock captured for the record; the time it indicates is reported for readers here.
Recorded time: 10:32
